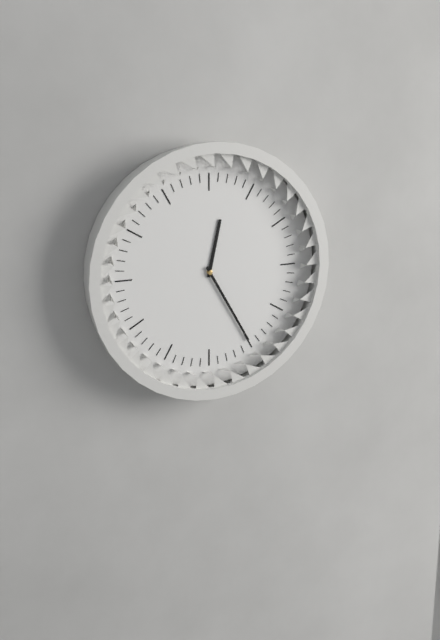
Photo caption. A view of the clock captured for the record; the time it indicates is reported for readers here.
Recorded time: 12:25
